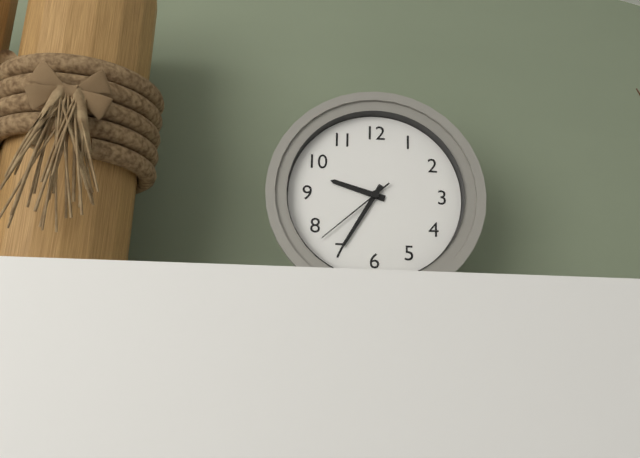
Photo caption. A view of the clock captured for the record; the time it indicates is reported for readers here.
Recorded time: 9:35:38
